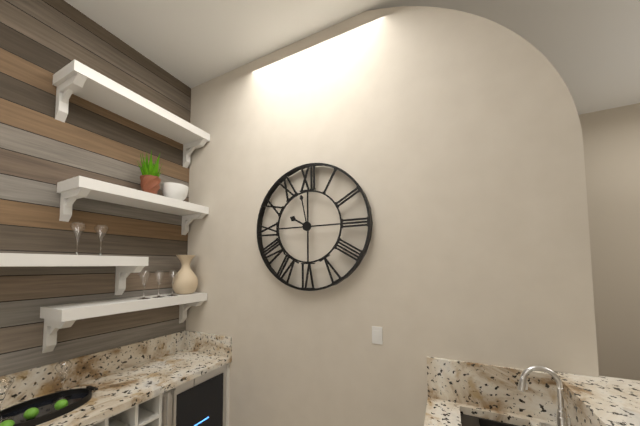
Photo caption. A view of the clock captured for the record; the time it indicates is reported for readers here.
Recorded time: 9:58
